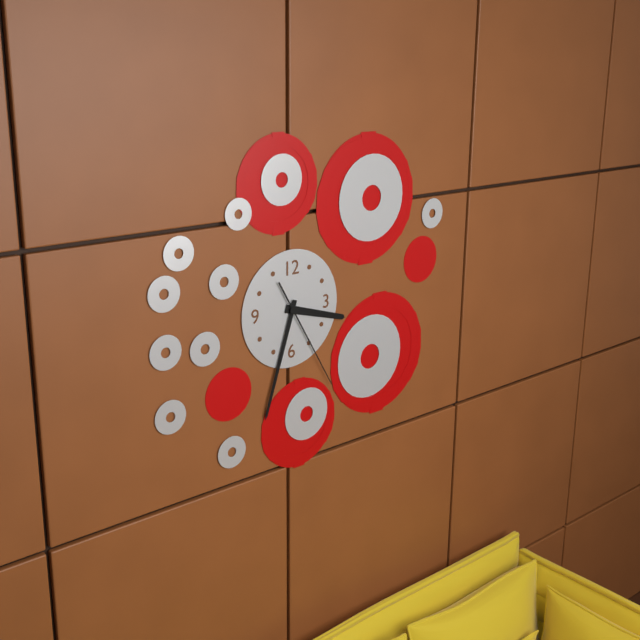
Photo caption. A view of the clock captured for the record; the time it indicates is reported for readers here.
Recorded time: 3:33:25
